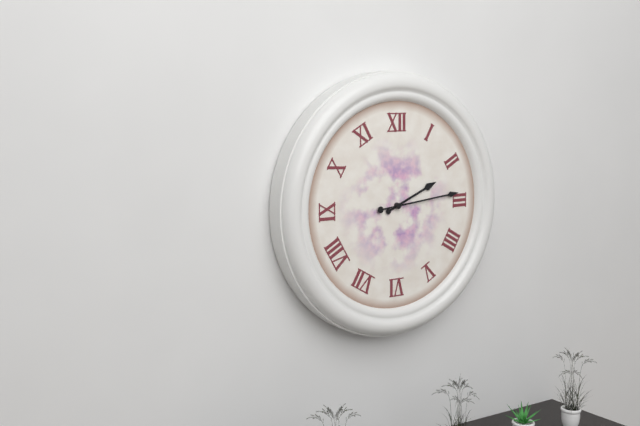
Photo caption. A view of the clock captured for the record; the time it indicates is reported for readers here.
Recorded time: 2:14
